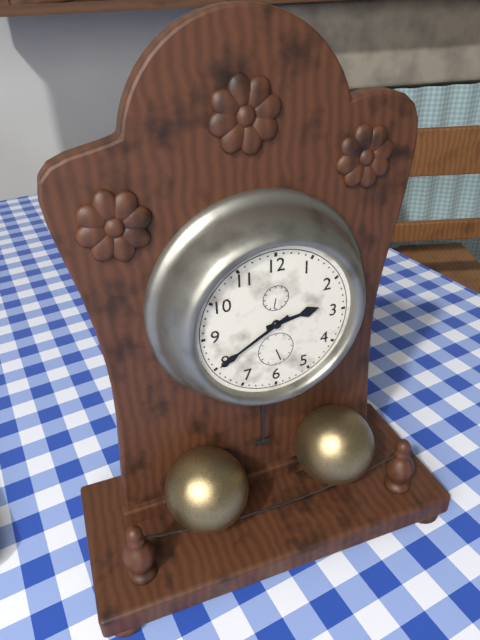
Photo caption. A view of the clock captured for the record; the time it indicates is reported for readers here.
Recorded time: 2:40
